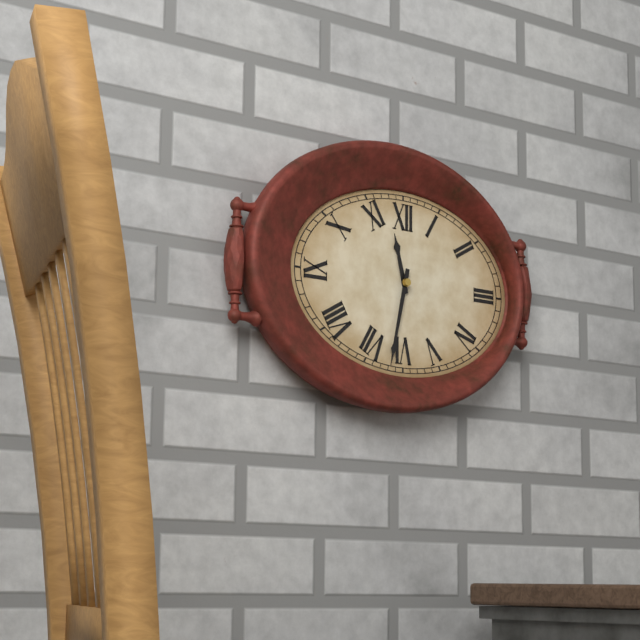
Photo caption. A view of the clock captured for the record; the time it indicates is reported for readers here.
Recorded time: 11:32
